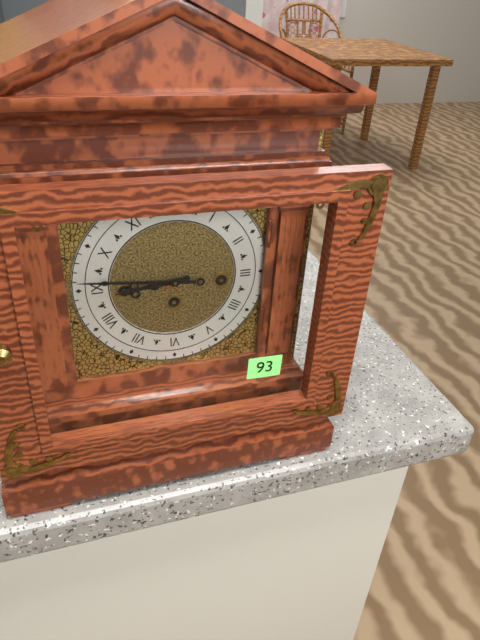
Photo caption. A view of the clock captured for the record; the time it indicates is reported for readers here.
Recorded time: 8:46
